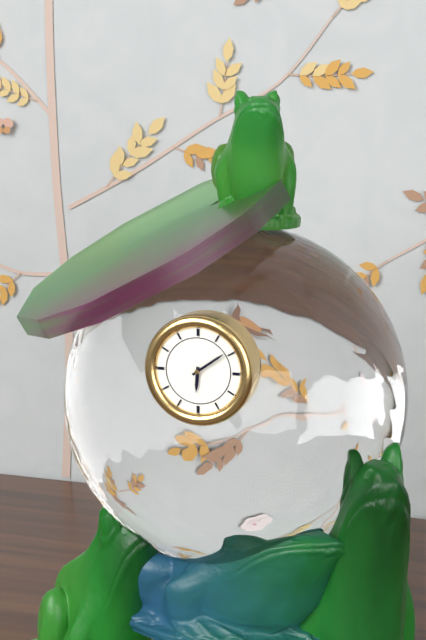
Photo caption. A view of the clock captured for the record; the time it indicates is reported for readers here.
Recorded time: 6:09
